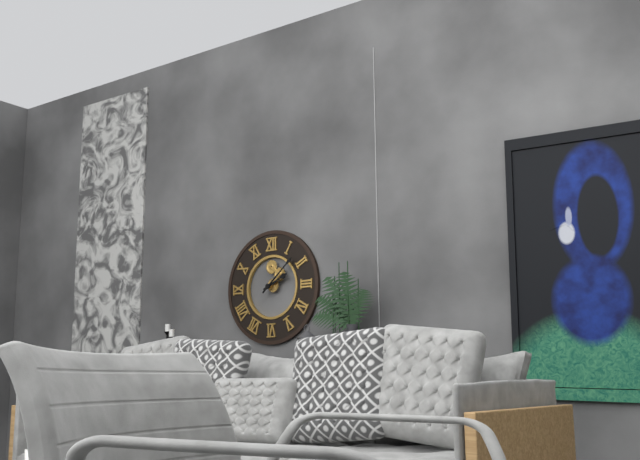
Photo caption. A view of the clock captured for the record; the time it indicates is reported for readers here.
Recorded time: 2:08
